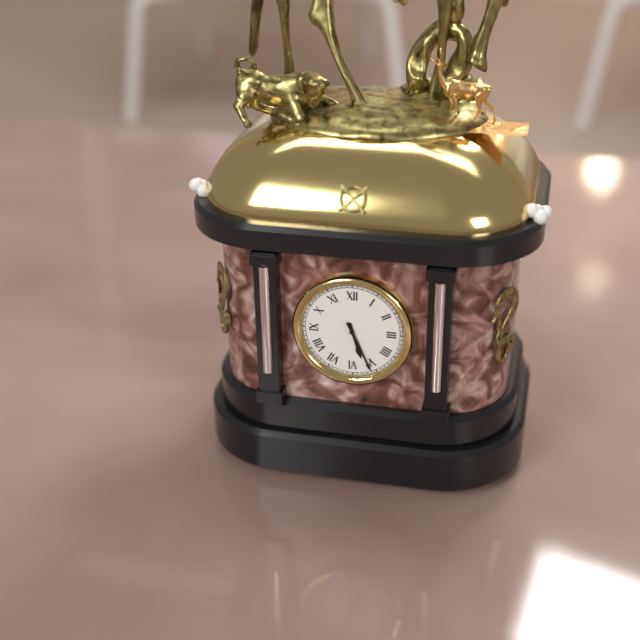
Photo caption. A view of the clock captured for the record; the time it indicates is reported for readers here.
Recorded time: 5:26
